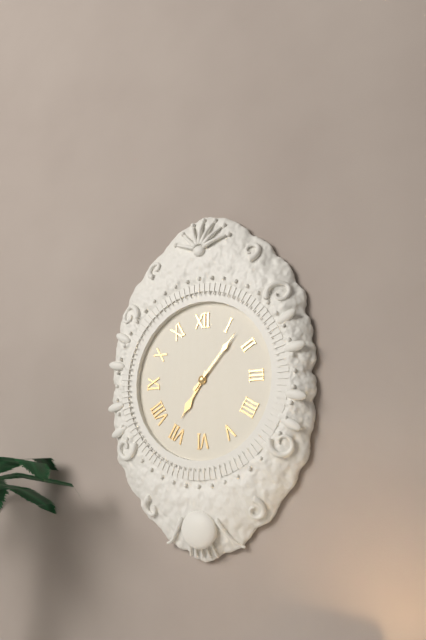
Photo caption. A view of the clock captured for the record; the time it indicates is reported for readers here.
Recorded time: 7:07
